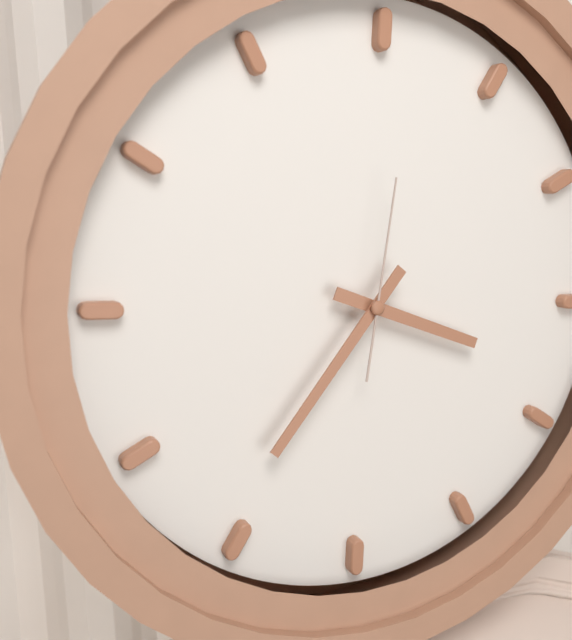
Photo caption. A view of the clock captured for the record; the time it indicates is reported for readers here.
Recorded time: 3:36:01
